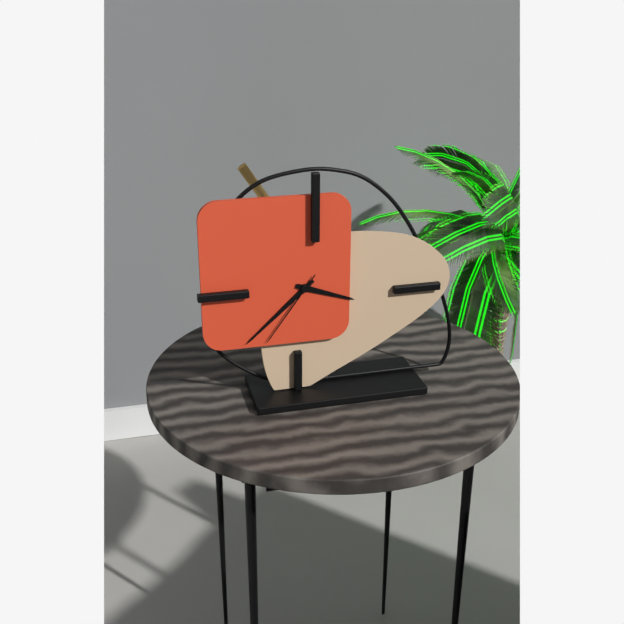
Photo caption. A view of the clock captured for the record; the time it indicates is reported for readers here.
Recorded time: 3:38:36
